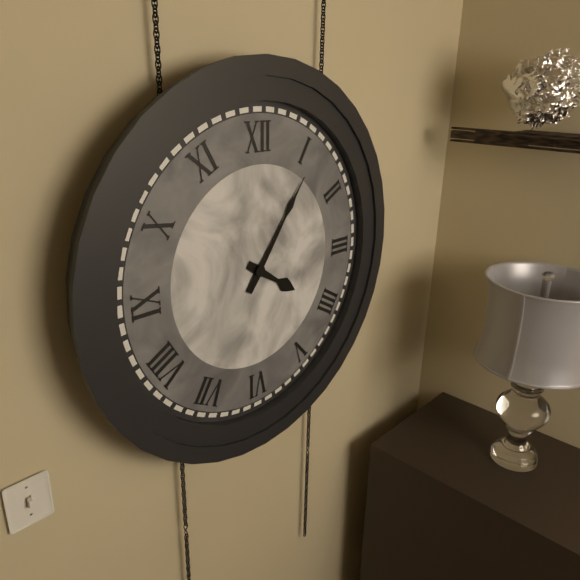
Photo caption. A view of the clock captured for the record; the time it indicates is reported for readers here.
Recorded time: 4:06
